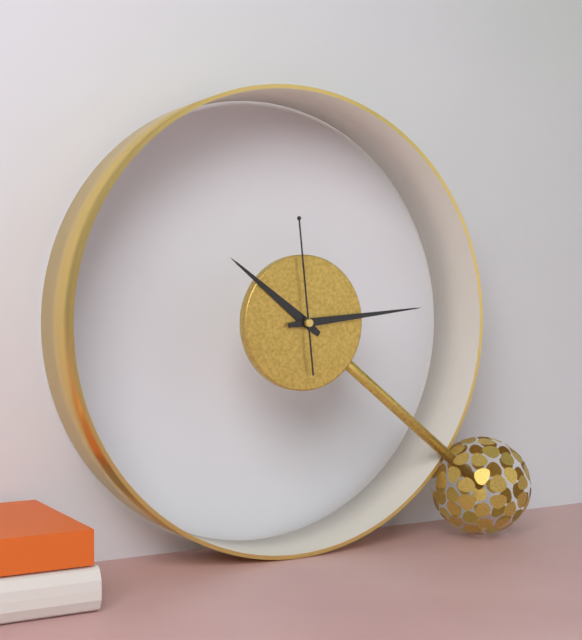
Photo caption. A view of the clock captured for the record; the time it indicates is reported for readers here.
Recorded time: 10:14:59
